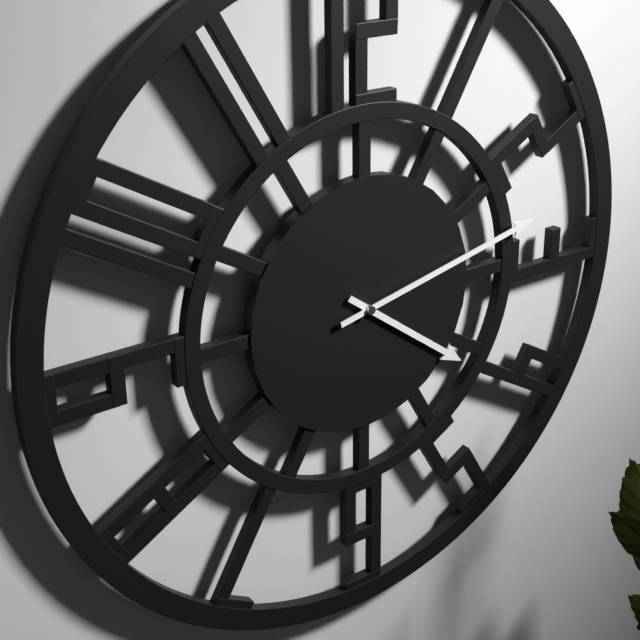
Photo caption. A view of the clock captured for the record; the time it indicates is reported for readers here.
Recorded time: 4:13
